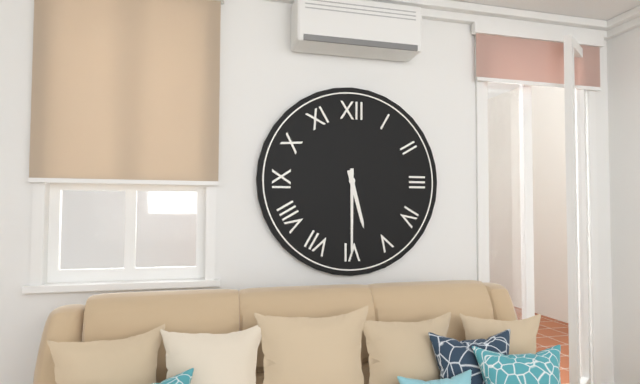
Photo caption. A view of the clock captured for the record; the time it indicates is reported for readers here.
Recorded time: 5:30
